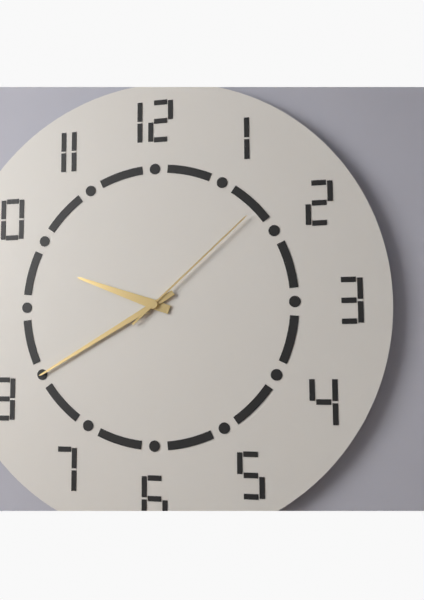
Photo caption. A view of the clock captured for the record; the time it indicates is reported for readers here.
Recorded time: 9:40:08
